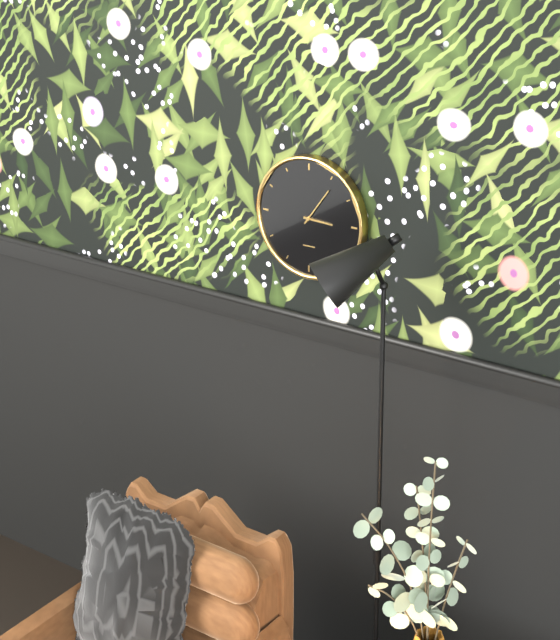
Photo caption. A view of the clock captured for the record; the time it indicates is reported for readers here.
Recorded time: 3:06
